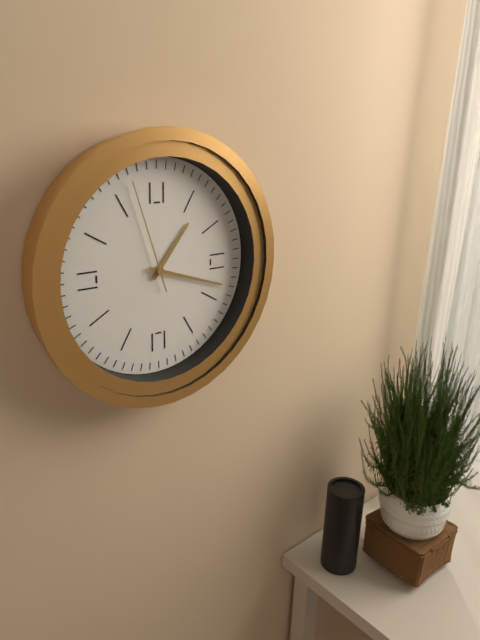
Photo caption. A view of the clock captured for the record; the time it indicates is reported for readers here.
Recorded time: 1:18:57
